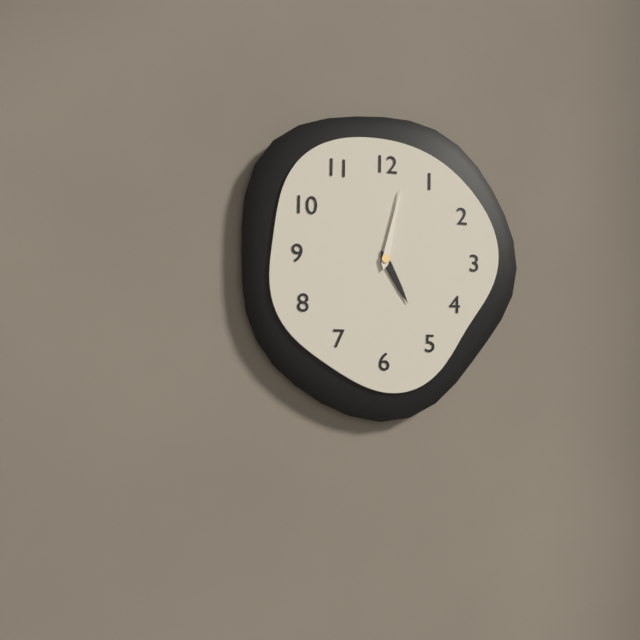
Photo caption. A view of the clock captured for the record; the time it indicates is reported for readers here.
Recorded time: 5:02
